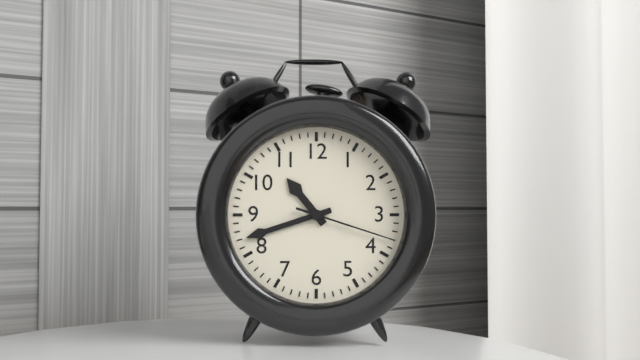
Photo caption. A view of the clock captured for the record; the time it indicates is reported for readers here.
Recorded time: 10:42:18
